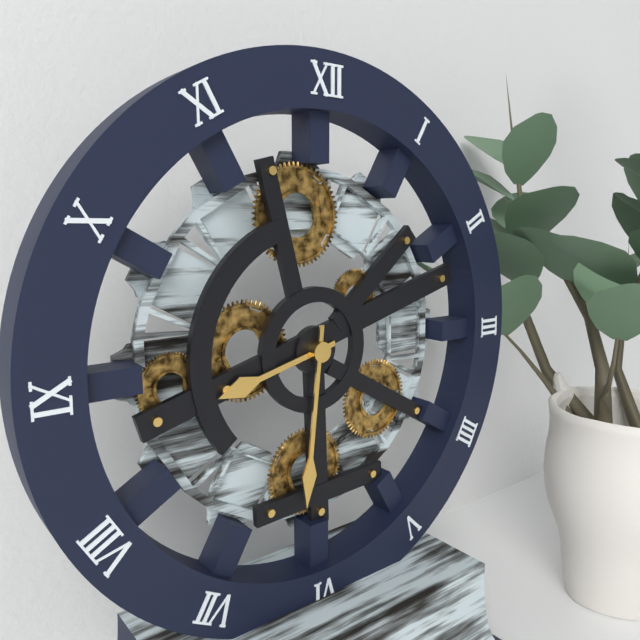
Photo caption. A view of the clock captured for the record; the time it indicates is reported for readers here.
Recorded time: 8:31
